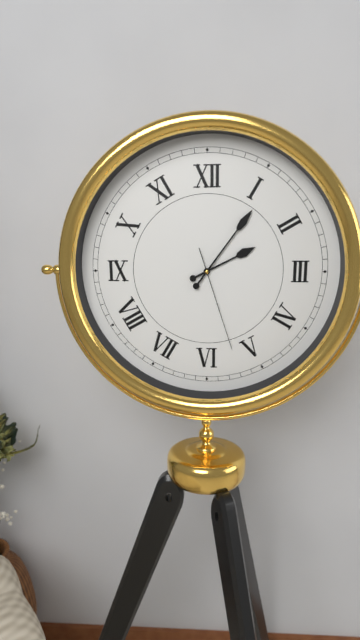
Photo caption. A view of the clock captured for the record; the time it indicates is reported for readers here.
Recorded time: 2:06:27
